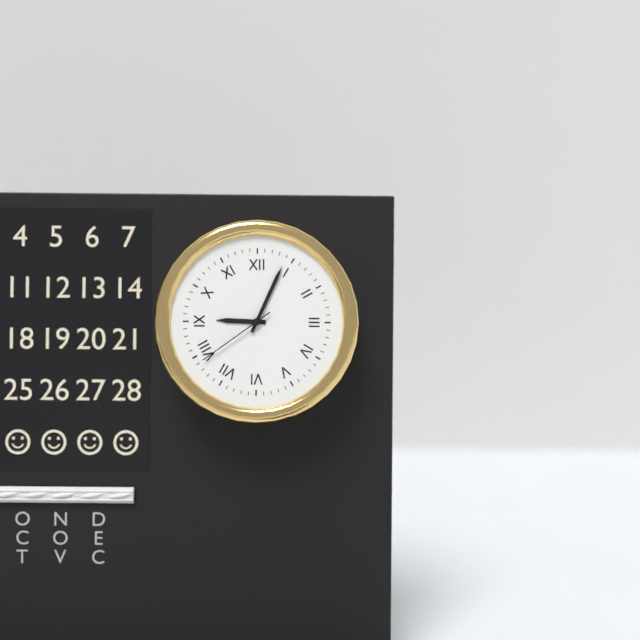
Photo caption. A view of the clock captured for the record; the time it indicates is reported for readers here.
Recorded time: 9:04:39
